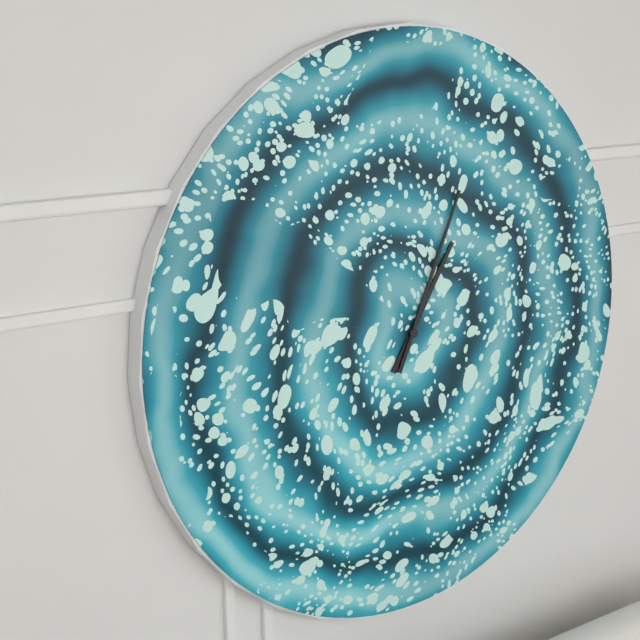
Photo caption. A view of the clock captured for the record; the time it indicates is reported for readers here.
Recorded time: 1:04
